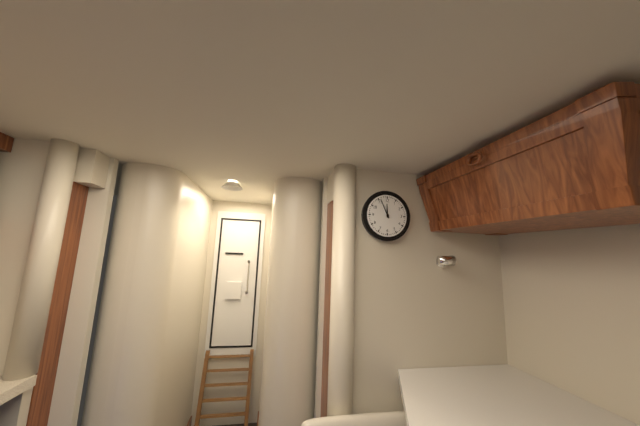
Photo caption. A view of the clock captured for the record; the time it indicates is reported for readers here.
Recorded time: 11:56
